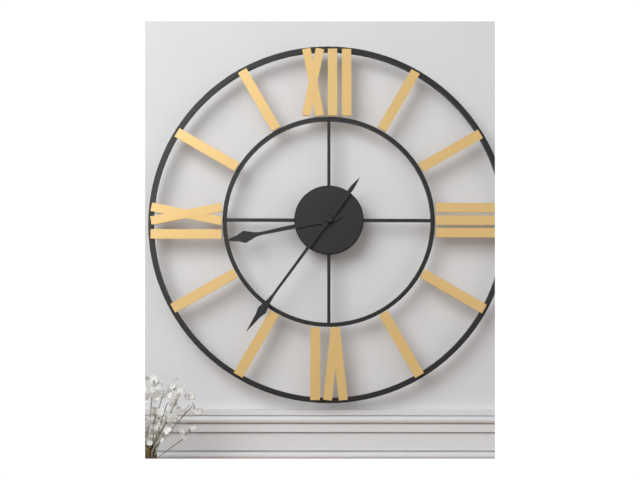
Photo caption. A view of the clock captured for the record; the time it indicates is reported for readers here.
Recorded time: 8:36
